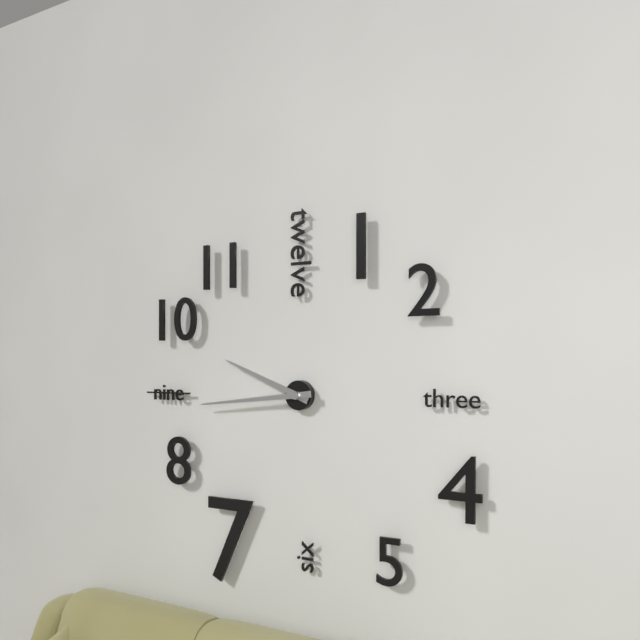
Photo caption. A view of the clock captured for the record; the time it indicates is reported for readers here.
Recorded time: 9:44
